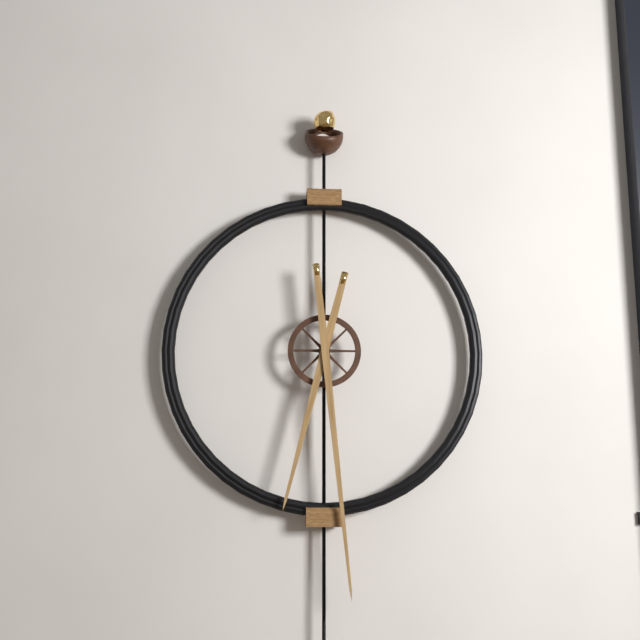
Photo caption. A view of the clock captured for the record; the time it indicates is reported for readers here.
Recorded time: 6:29
